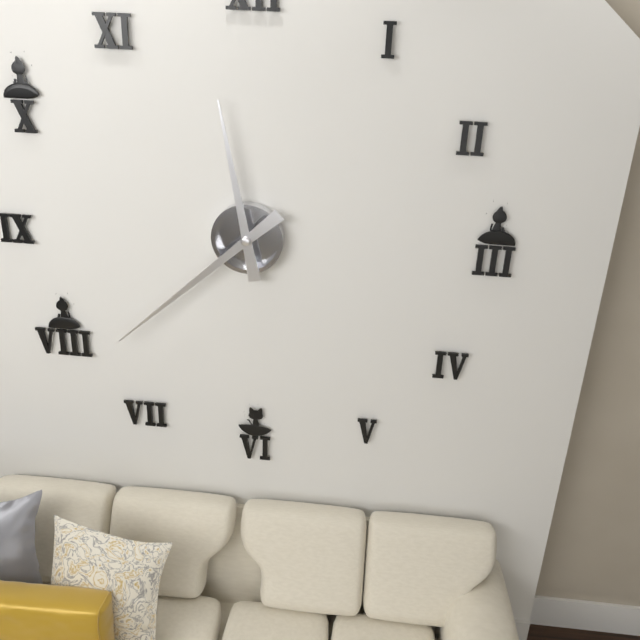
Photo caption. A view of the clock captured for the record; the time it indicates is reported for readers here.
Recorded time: 11:38
